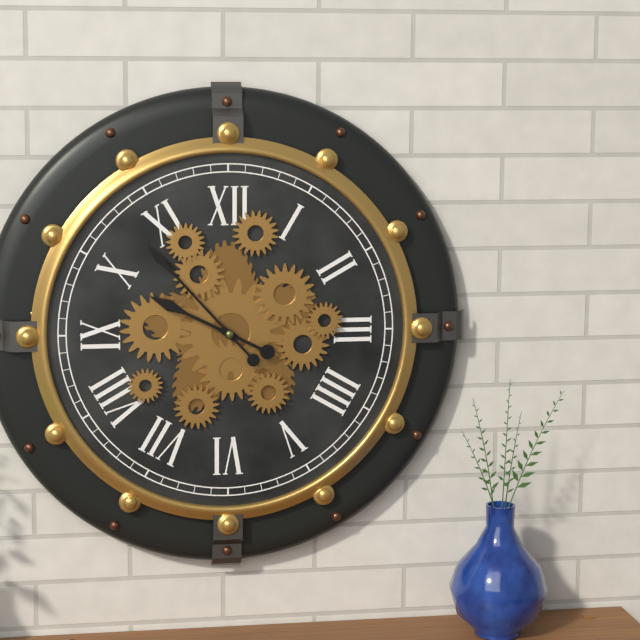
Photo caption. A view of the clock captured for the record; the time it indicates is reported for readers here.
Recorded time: 9:53
